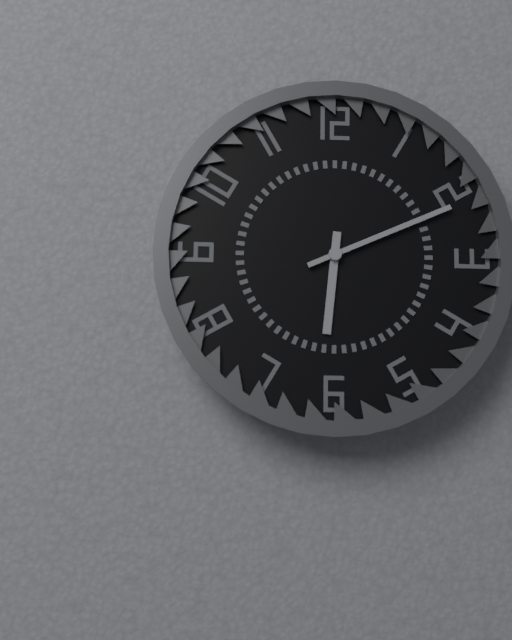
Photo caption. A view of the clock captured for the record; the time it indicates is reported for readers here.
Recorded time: 6:11
